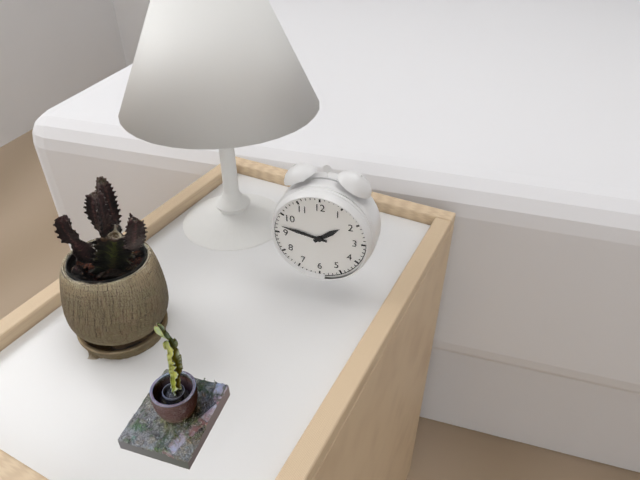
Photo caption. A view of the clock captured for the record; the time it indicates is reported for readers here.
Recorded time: 1:47
